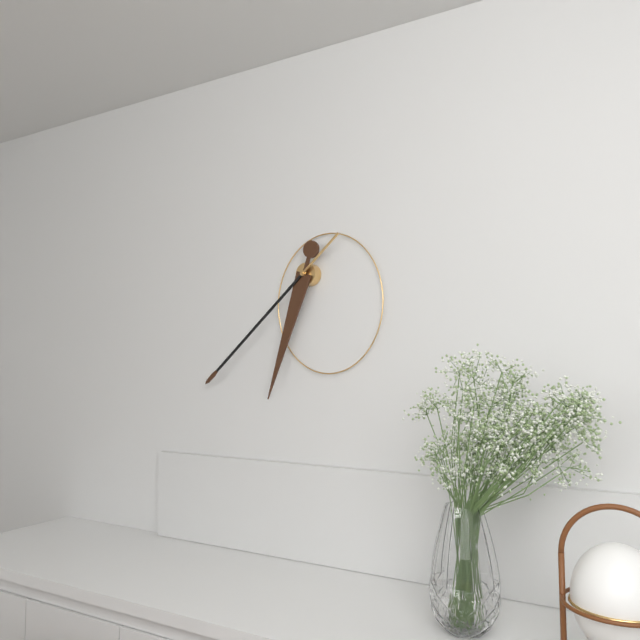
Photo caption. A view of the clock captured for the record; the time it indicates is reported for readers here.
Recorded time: 6:38
